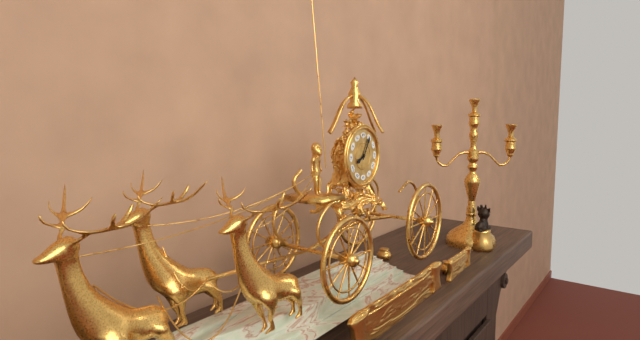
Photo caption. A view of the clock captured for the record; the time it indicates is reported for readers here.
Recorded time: 8:05
